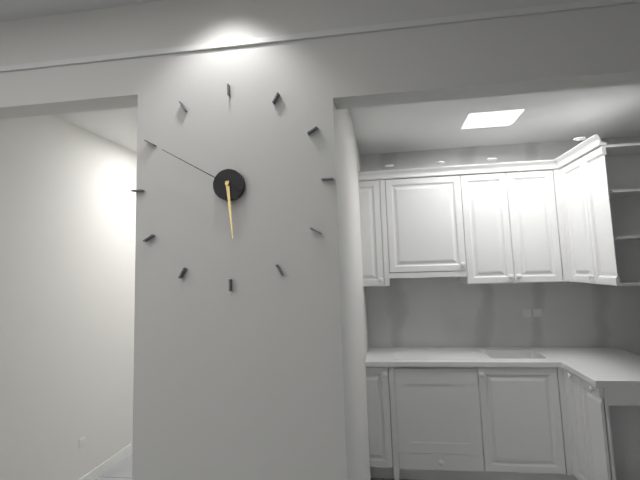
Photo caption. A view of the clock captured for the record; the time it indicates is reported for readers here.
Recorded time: 5:50
